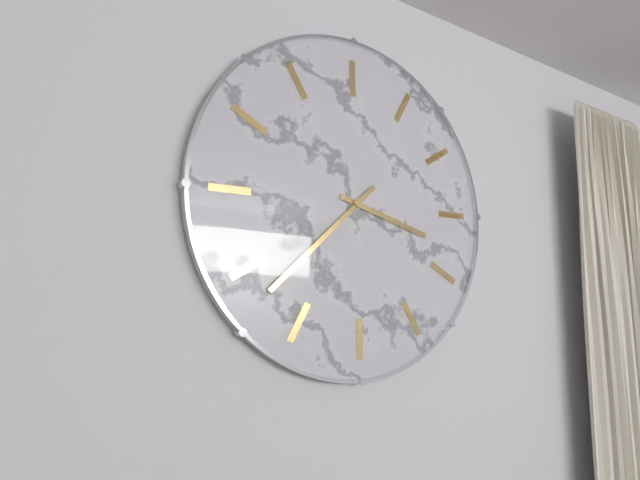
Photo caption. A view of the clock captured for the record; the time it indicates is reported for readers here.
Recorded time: 2:33
